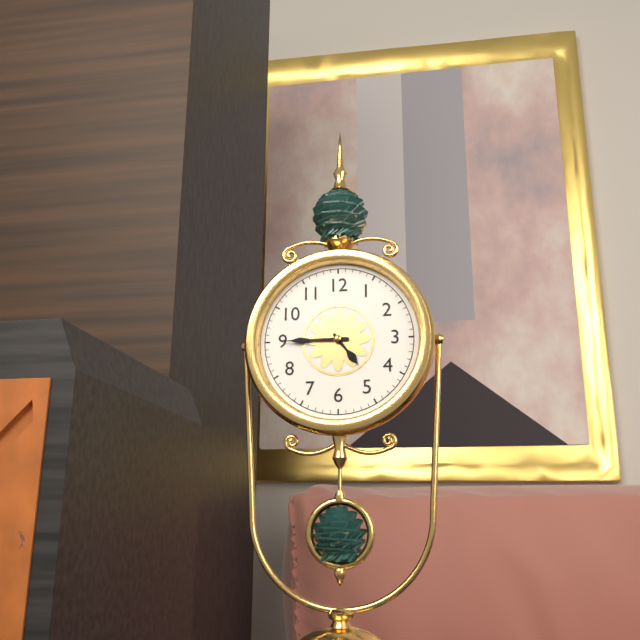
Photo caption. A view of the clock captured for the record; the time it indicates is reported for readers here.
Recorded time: 4:45
